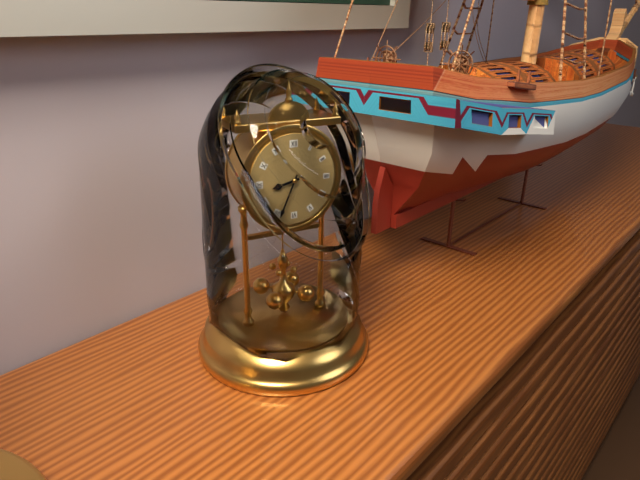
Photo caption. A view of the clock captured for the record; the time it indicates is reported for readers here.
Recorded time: 8:34
